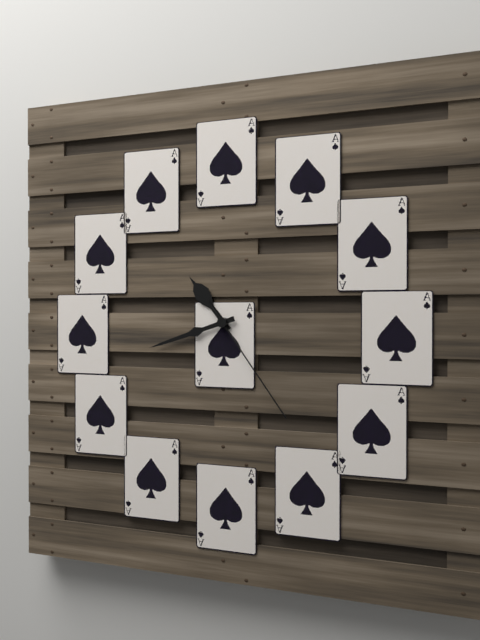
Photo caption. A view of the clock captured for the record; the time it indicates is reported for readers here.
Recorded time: 10:42:24
